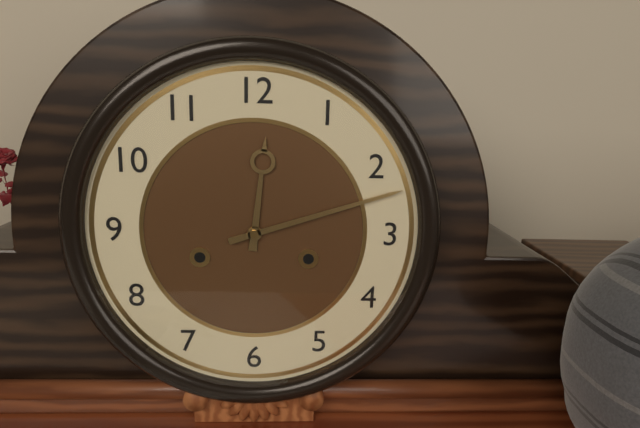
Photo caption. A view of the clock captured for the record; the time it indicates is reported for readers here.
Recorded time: 12:12
